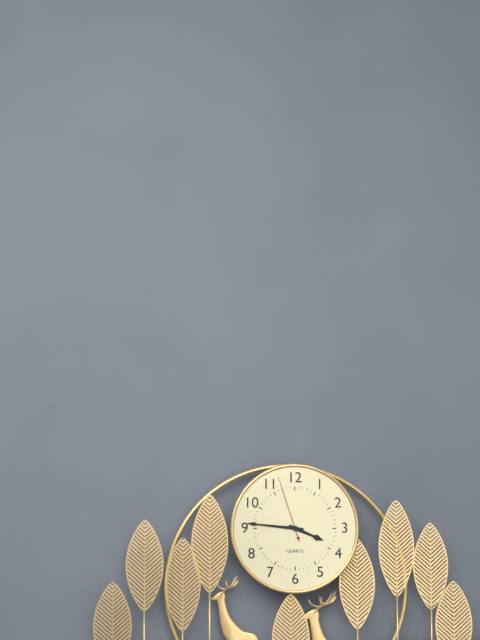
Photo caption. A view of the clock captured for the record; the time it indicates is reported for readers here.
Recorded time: 3:46:57
